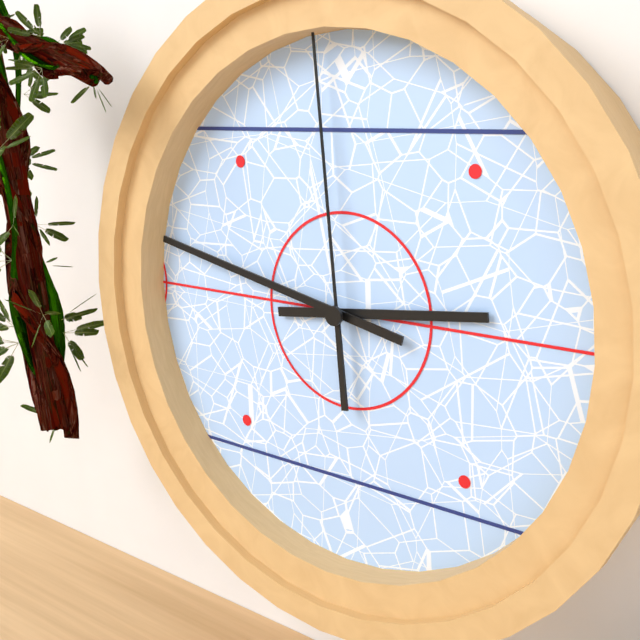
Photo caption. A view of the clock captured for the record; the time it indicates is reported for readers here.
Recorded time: 2:47:59
